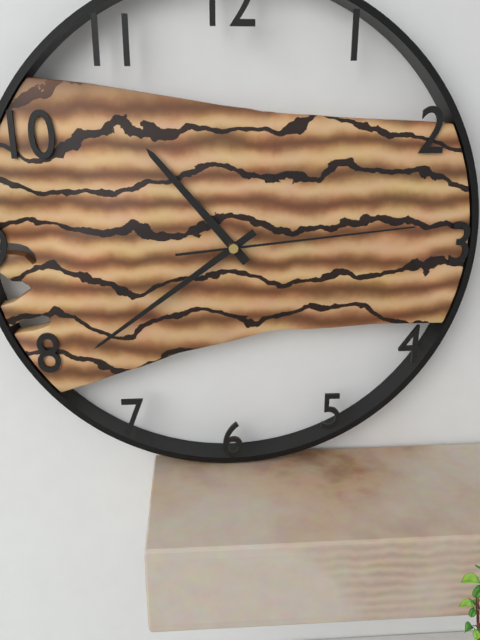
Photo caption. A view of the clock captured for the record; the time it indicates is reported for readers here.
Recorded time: 10:39:14
